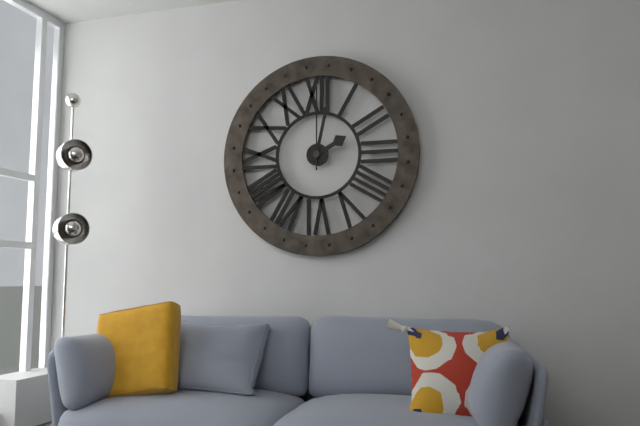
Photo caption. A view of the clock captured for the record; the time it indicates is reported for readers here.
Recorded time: 2:02:00
